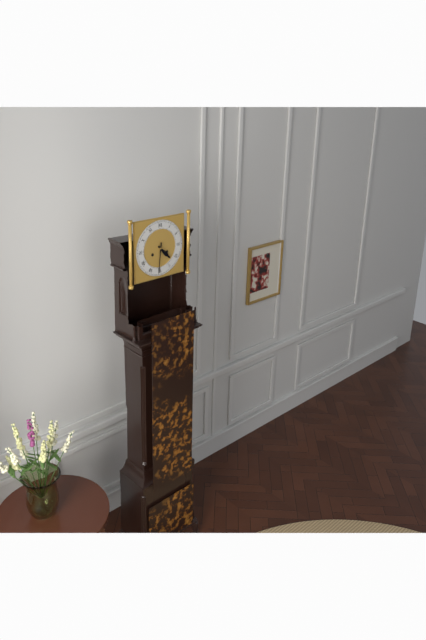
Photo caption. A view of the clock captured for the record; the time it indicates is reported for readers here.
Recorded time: 4:31
